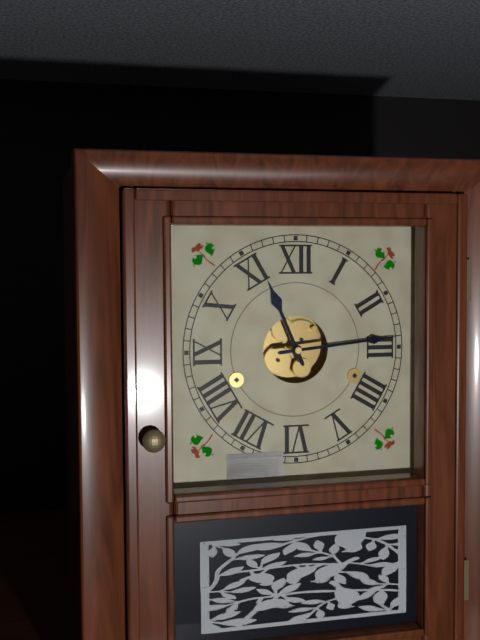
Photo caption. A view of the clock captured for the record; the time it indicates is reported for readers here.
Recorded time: 11:14
